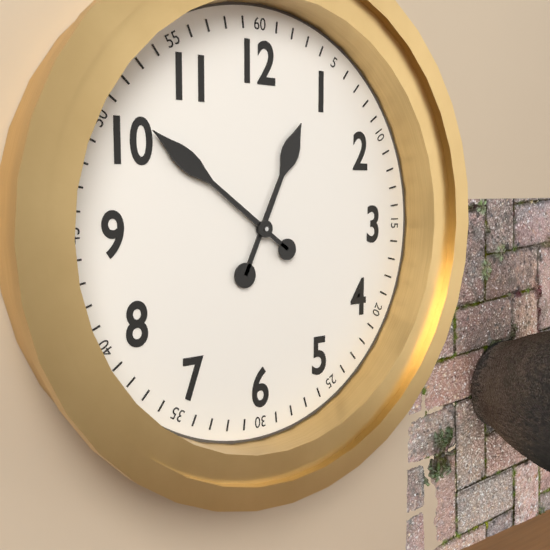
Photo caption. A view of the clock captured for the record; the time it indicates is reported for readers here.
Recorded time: 12:51
